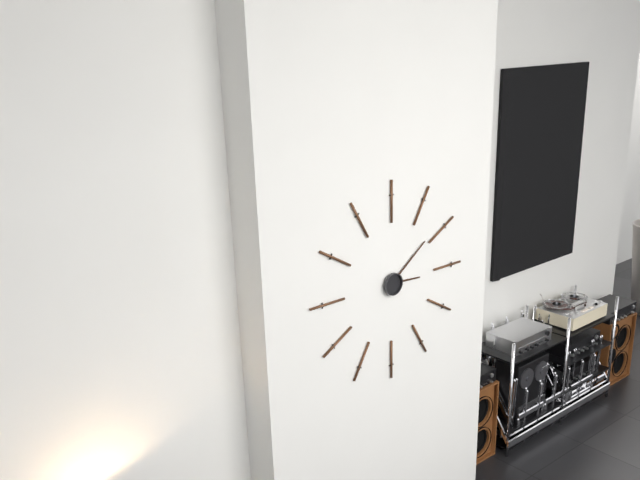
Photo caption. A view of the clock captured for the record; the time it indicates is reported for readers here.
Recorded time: 3:09
